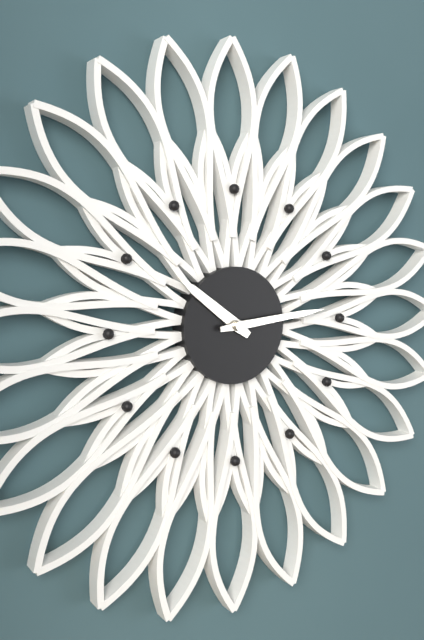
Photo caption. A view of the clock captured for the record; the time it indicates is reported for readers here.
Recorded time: 10:14
